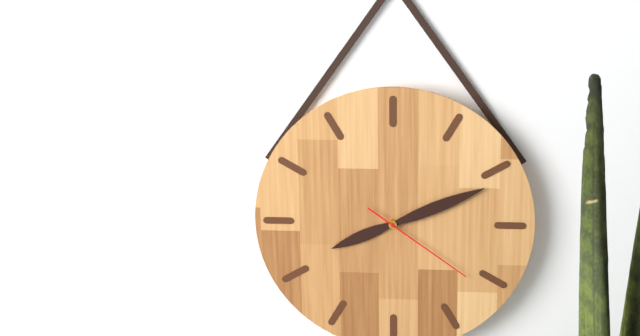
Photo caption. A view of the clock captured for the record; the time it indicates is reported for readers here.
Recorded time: 8:11:21
